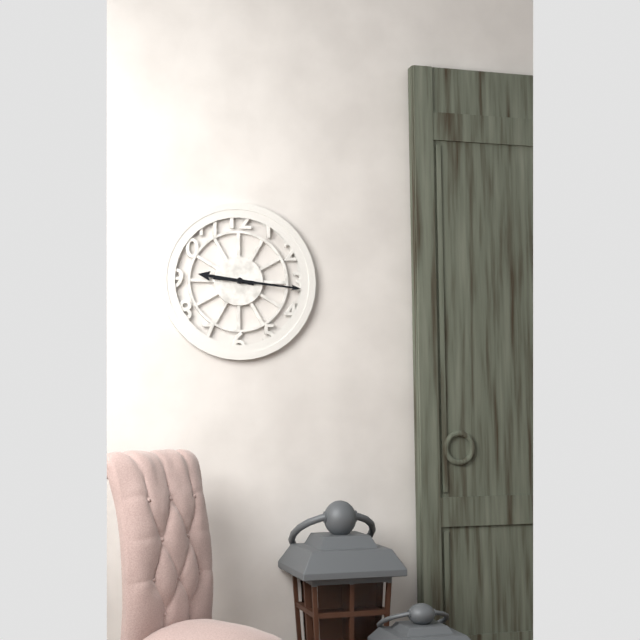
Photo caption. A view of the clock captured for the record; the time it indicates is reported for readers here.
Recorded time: 9:16
